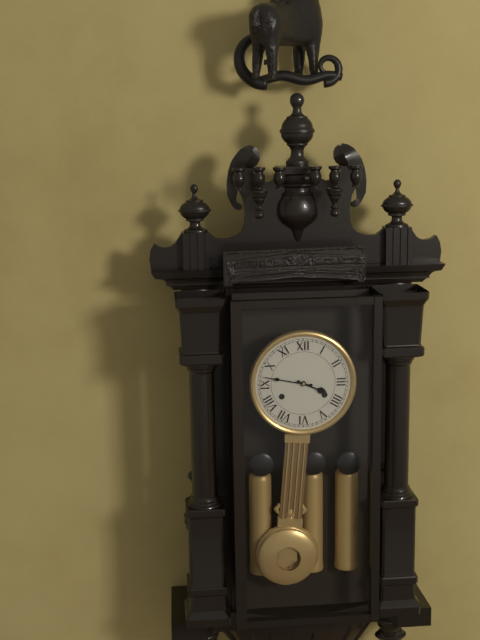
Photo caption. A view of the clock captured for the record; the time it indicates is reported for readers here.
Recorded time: 3:47
